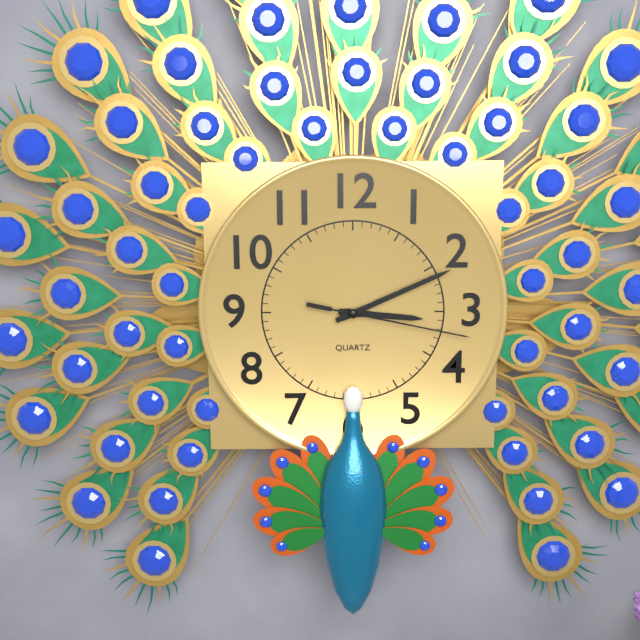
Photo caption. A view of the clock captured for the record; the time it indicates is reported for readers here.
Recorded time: 3:11:17
